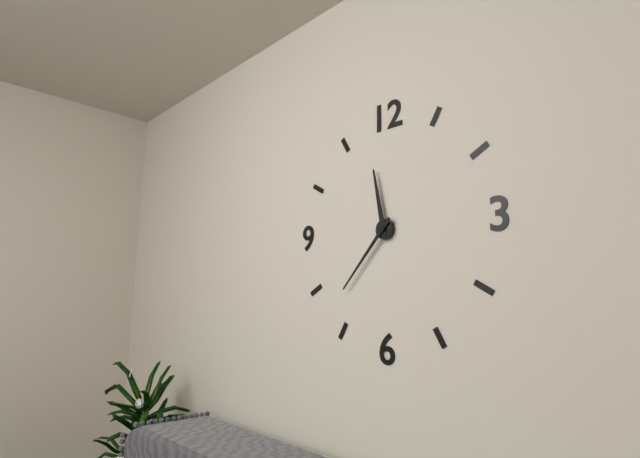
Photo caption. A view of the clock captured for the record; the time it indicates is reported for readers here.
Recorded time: 11:37
